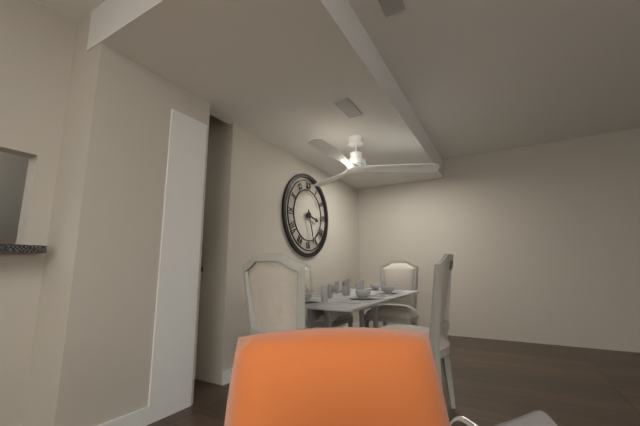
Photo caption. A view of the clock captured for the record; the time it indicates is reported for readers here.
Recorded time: 3:27
